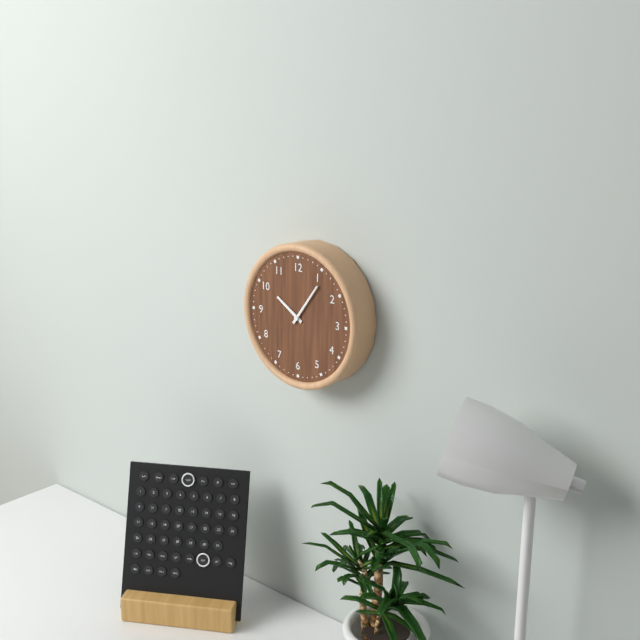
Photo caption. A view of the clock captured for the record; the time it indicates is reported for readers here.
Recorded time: 10:06
